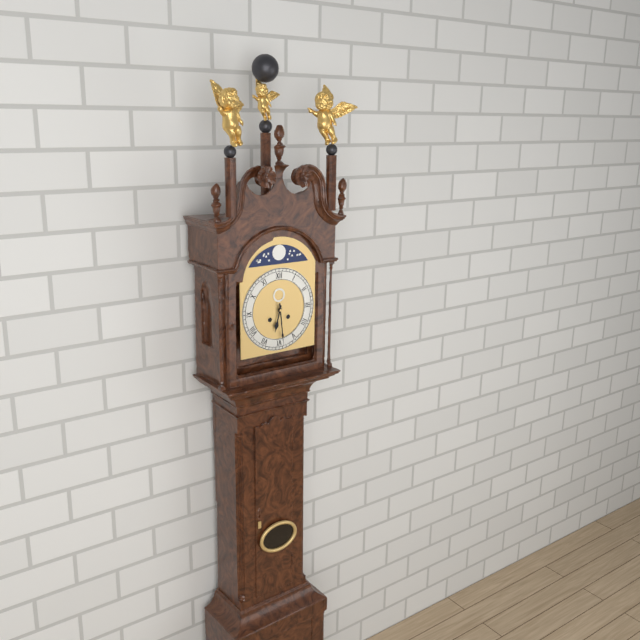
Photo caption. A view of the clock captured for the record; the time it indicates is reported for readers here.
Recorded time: 6:29
